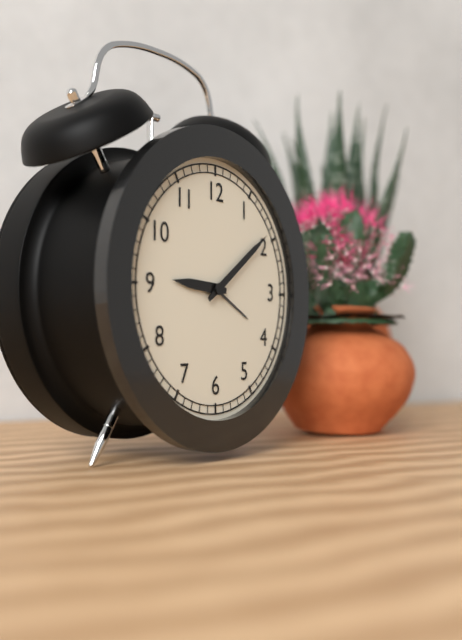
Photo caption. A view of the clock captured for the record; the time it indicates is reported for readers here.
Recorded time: 9:09
